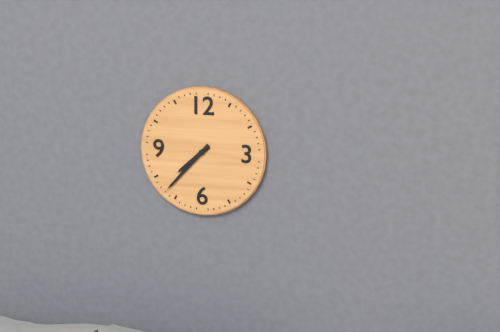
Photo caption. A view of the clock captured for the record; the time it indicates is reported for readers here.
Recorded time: 7:37
